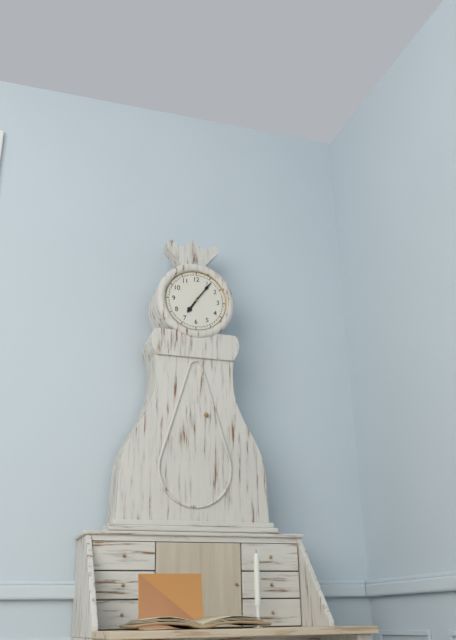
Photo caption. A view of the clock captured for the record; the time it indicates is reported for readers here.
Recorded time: 7:06
